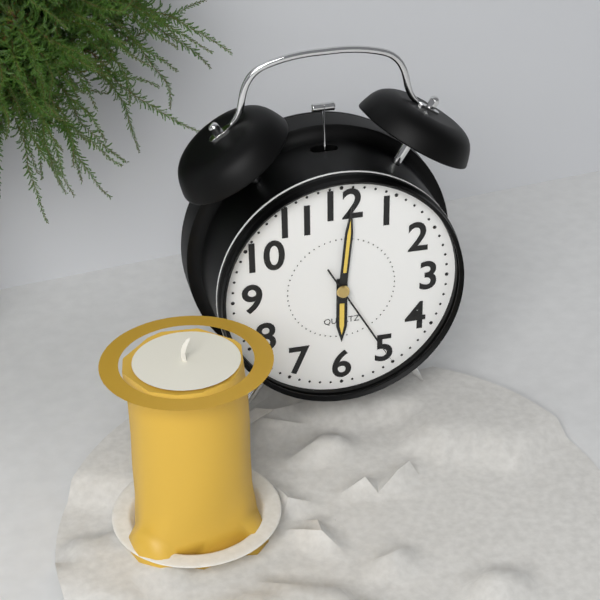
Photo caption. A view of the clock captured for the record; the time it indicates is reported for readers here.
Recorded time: 6:01:25
